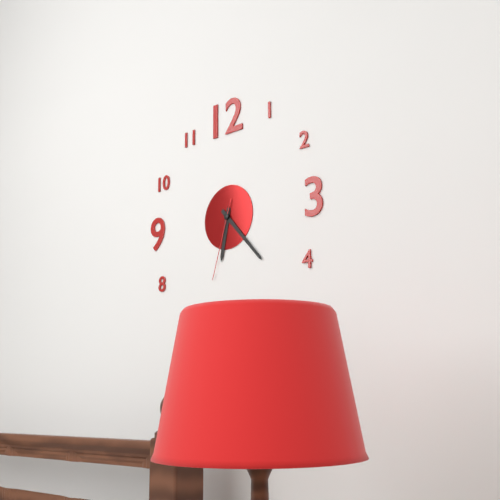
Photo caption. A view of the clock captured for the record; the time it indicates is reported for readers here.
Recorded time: 6:23:33
